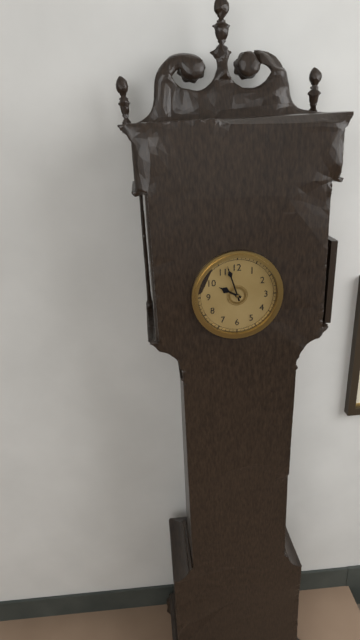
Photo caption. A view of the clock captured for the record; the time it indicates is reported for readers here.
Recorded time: 9:57
